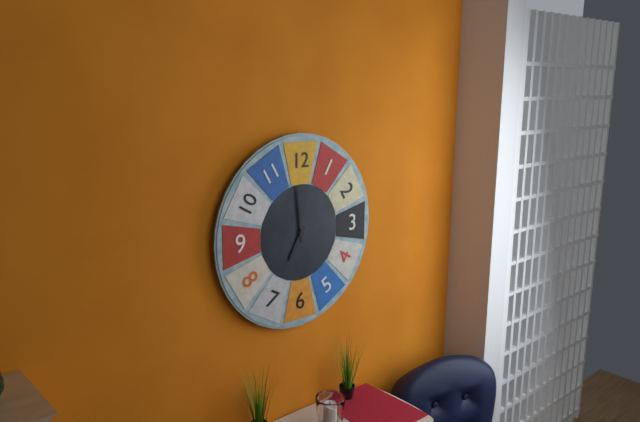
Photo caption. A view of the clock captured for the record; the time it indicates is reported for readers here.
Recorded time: 6:59
